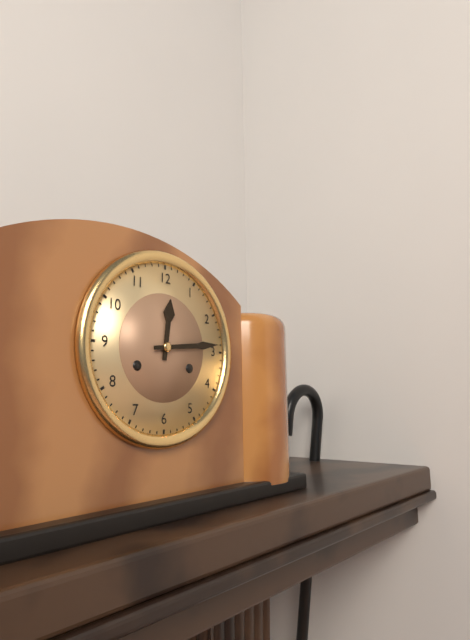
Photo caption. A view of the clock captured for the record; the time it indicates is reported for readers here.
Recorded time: 12:14
